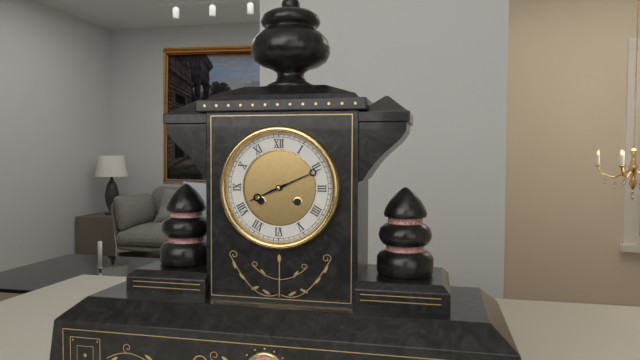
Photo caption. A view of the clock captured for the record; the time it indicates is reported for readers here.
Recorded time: 8:11
